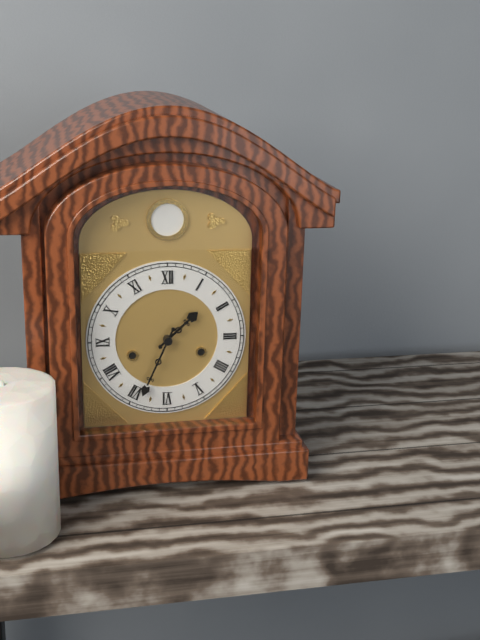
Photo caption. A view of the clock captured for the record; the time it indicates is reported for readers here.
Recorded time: 1:34
